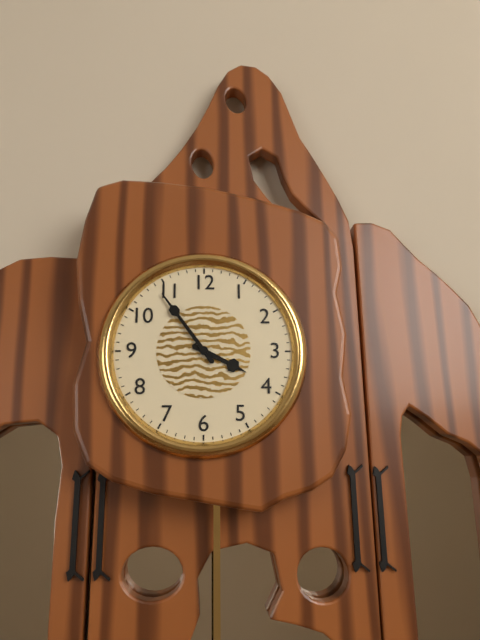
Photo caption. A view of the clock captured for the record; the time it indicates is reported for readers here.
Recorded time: 3:54
